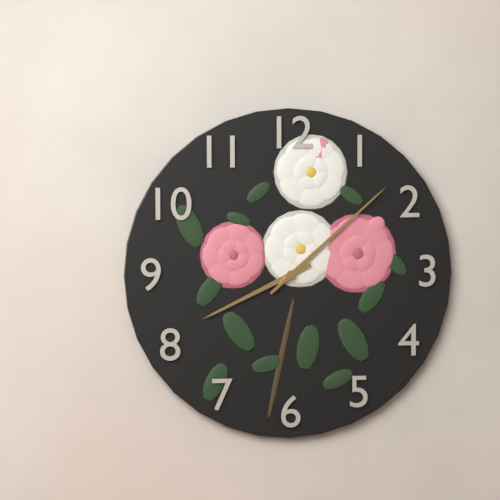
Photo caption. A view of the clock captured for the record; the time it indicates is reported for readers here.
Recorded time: 8:08
